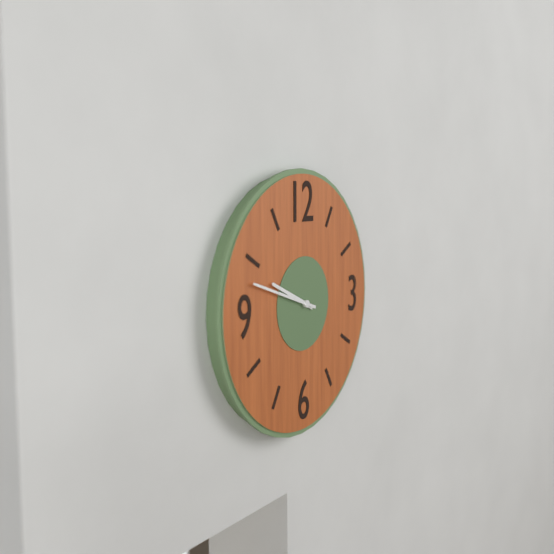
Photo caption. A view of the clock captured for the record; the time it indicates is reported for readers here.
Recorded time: 9:48
